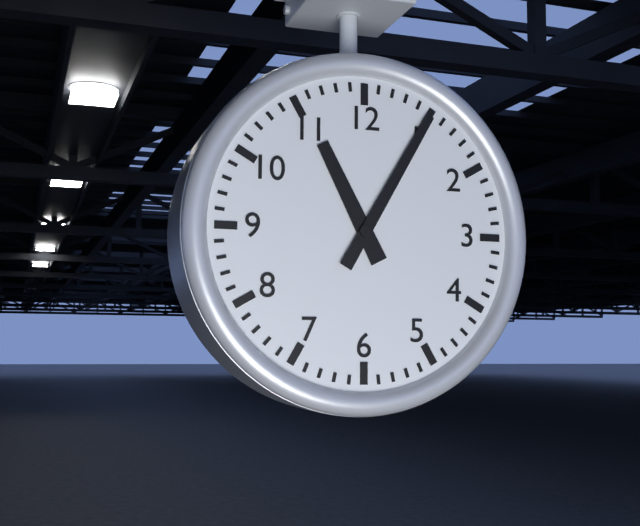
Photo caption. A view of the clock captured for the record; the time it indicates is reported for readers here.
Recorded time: 11:05
